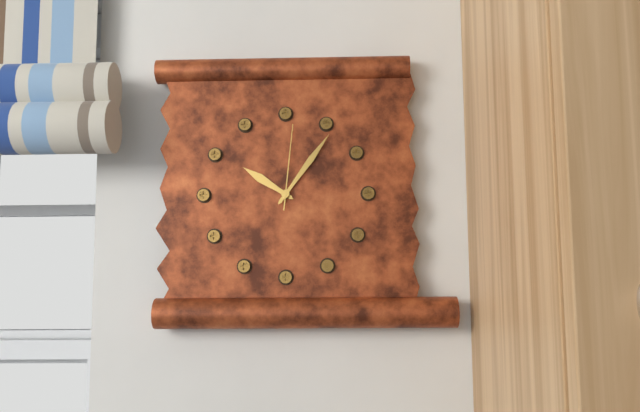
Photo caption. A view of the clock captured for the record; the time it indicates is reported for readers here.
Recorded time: 10:06:01
